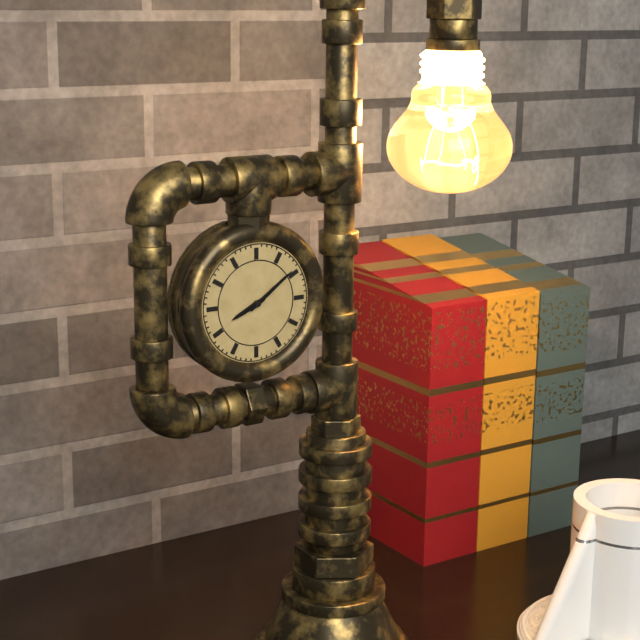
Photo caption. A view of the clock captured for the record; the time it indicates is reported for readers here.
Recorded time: 8:09
